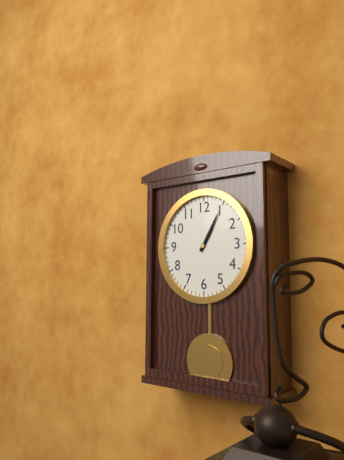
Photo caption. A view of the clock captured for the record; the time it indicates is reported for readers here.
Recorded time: 1:05
